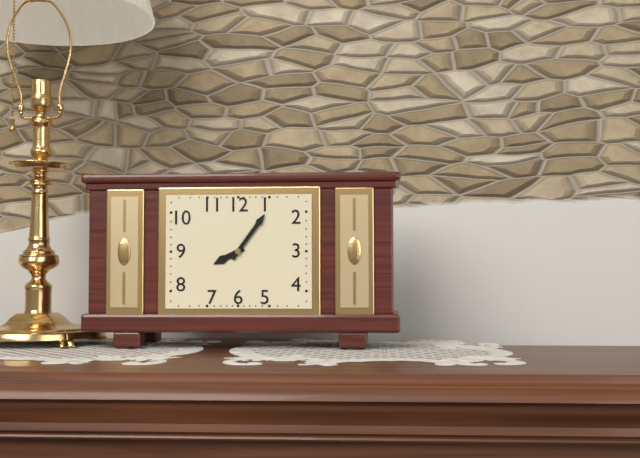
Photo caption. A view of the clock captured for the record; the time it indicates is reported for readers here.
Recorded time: 8:06
